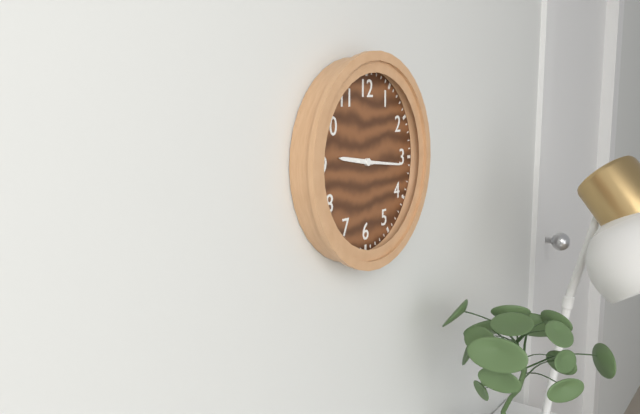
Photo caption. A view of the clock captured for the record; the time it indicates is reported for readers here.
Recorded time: 9:16
